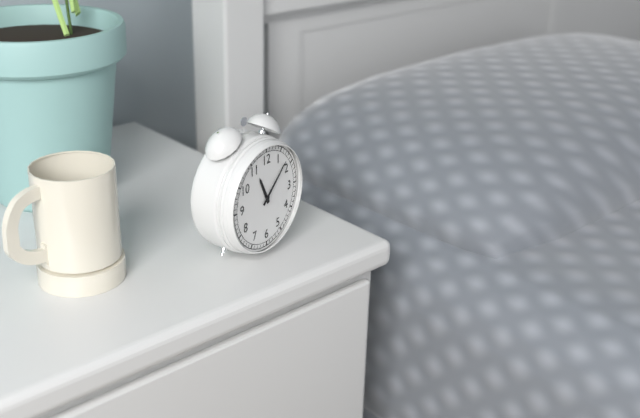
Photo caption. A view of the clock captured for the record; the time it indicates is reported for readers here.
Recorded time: 11:08
